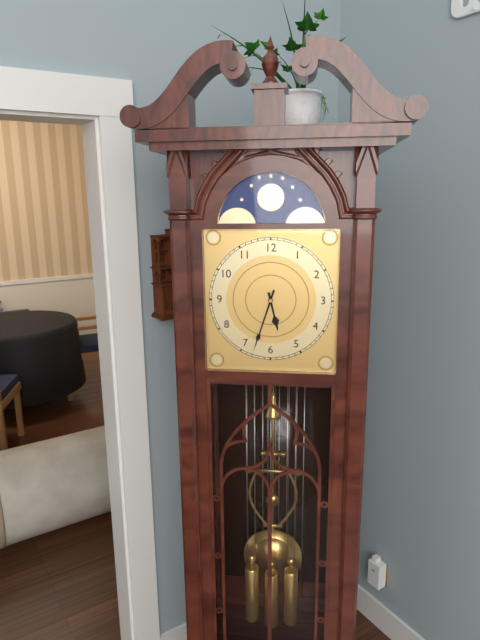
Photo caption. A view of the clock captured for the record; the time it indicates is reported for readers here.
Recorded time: 5:33
